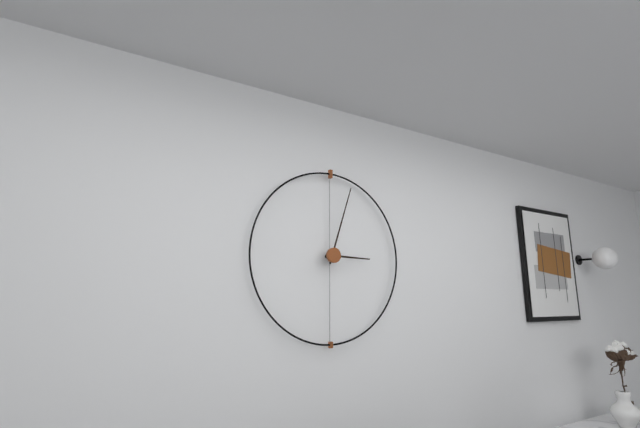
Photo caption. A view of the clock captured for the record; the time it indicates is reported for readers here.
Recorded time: 3:03
